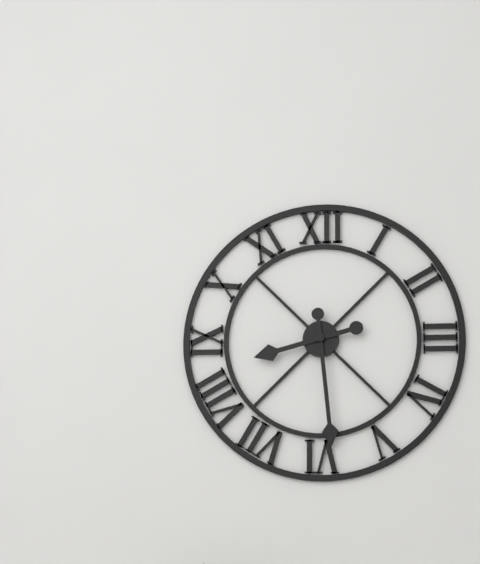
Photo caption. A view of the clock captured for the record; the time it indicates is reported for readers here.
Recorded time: 8:29
